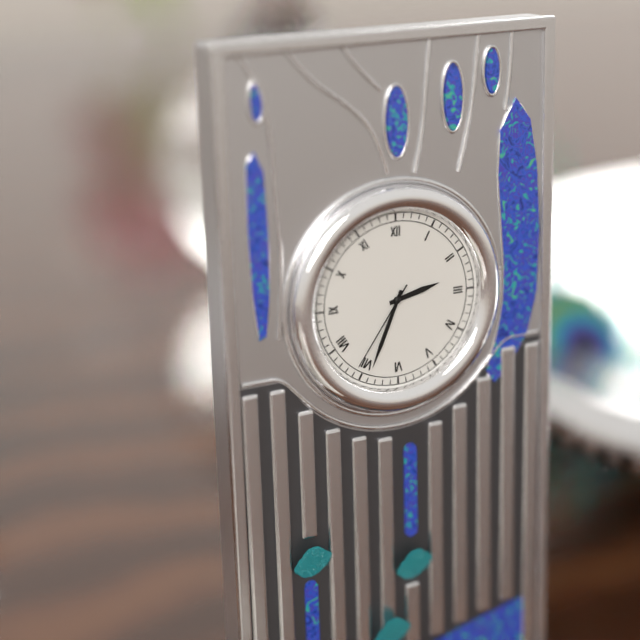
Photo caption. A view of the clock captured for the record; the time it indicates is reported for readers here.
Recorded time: 2:34:36
